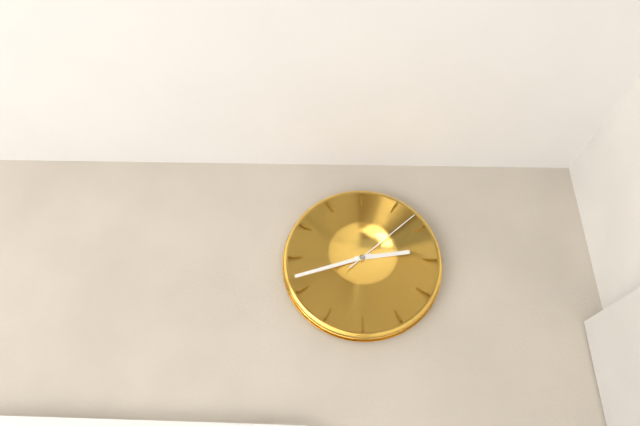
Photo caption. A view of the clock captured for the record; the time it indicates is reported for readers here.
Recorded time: 2:42:08
